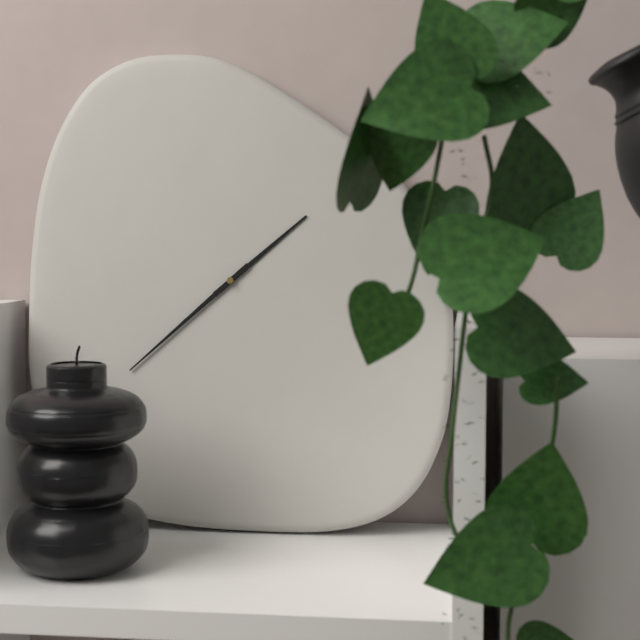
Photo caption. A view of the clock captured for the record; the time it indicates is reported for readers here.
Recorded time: 1:38
